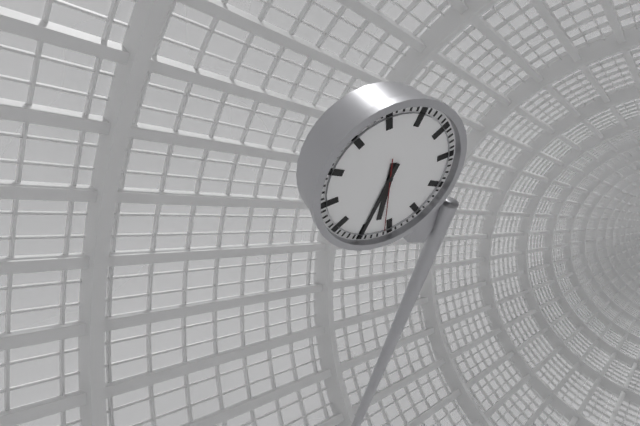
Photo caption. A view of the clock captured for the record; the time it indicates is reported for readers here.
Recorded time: 5:30:26
